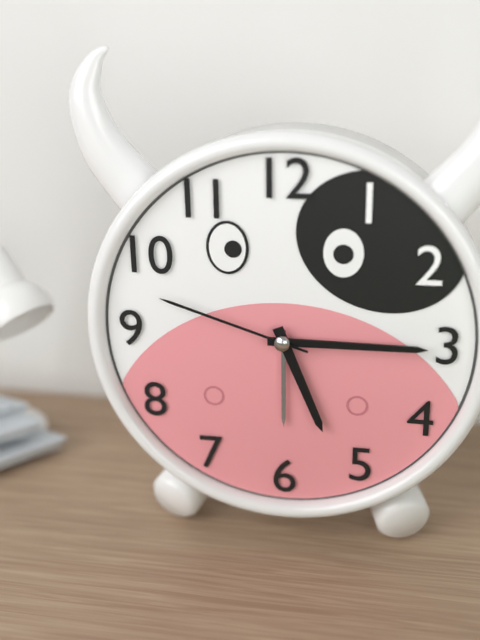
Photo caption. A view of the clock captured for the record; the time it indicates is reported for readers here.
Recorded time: 5:15:48
